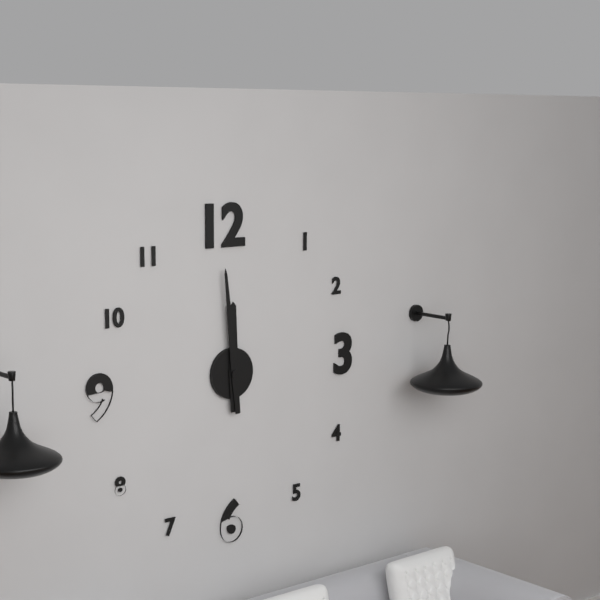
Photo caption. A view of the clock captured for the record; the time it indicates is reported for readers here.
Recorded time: 11:59
